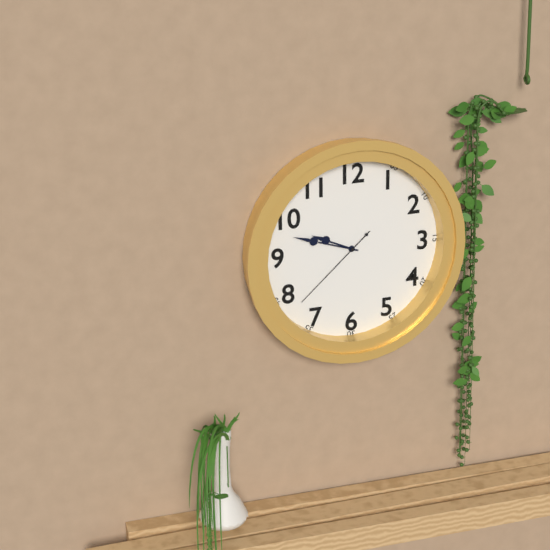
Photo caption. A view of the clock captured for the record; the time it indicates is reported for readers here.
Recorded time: 9:48:38
